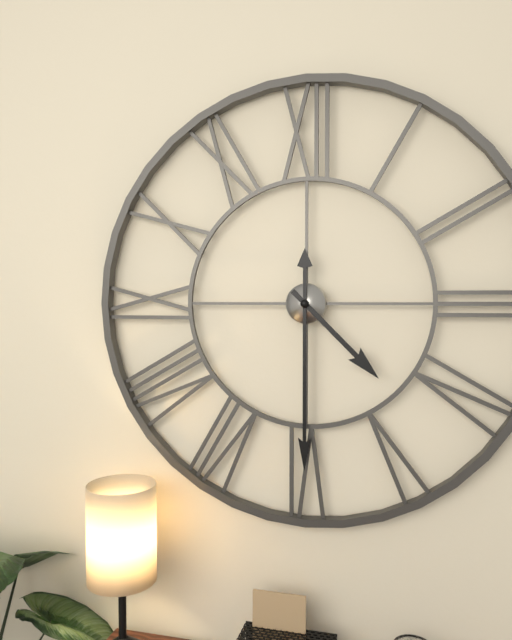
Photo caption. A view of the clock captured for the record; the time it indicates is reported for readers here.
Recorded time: 4:30
